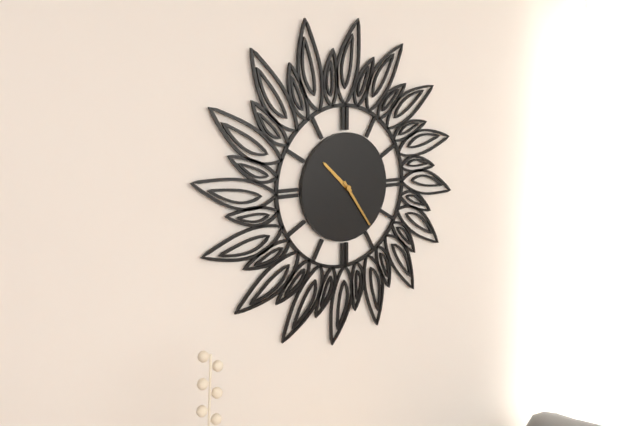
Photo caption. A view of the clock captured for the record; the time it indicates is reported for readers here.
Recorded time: 10:24
